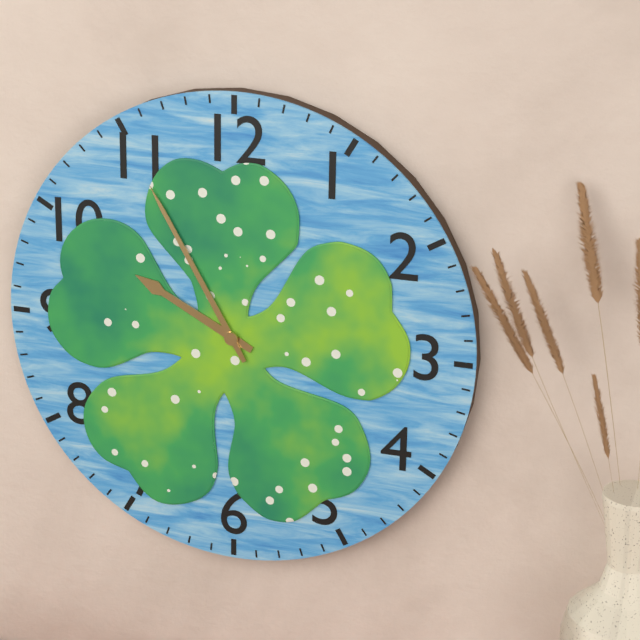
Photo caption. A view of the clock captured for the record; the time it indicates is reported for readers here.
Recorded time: 9:55
